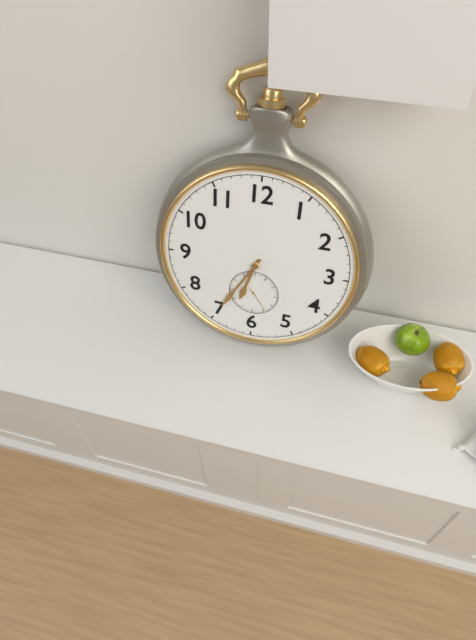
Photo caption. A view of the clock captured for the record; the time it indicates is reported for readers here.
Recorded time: 6:35
